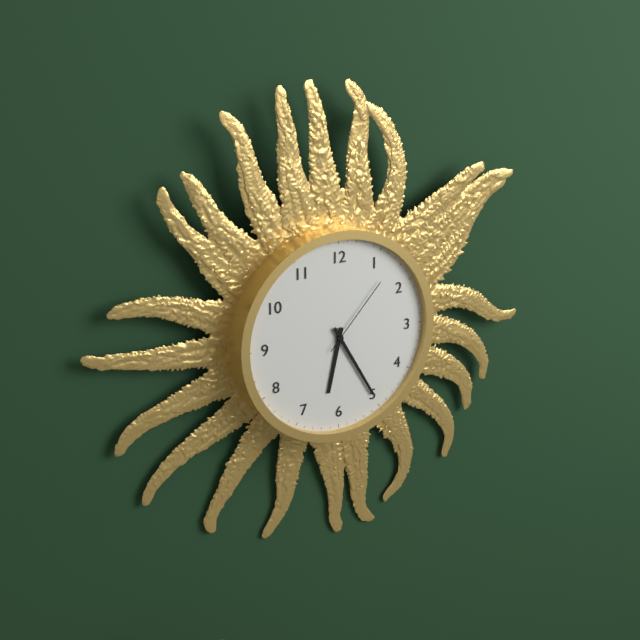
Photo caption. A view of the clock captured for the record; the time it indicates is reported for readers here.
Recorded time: 6:25:07
